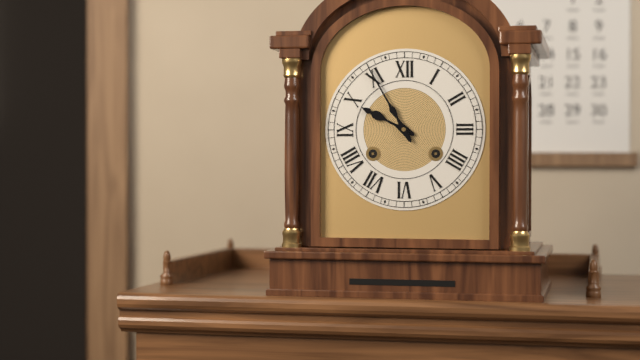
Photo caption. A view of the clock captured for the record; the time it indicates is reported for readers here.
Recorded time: 9:55
